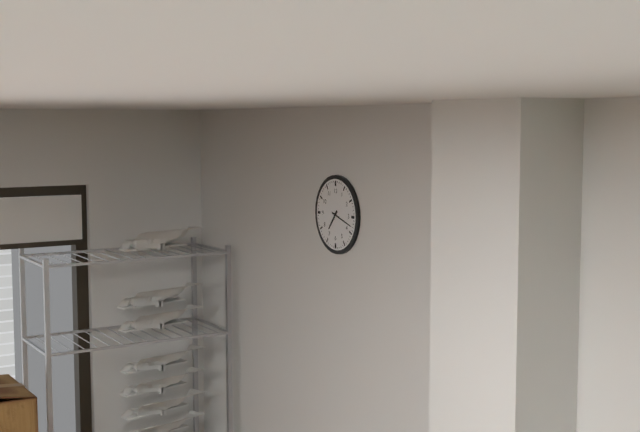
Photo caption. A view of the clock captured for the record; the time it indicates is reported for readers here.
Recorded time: 7:18
